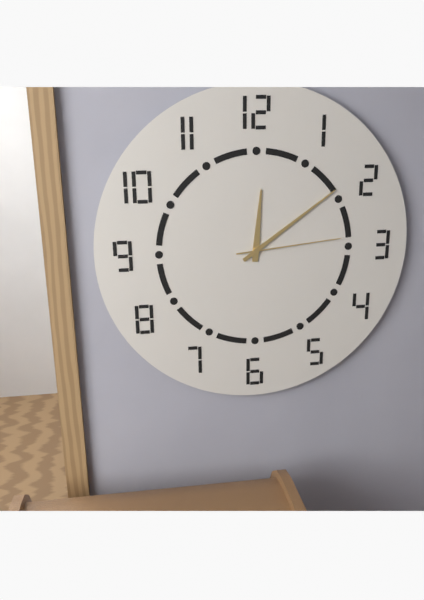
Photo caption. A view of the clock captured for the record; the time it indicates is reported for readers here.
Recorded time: 12:09:14
